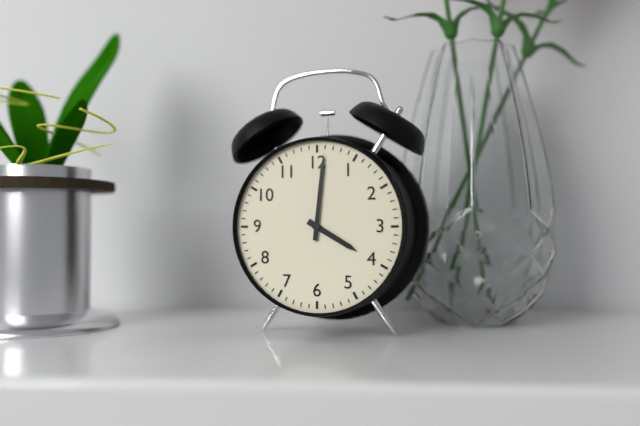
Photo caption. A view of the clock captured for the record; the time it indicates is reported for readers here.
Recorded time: 4:01
